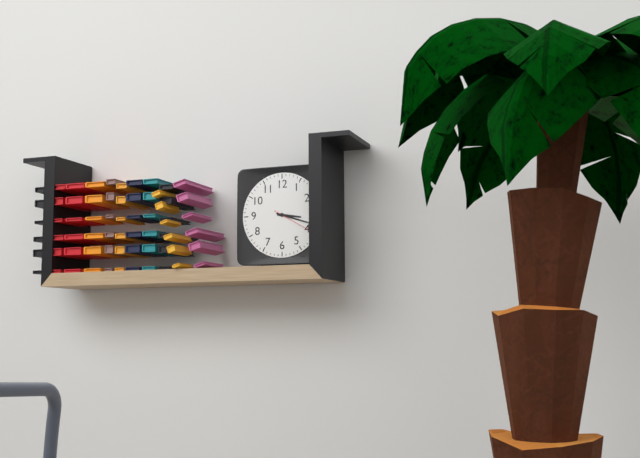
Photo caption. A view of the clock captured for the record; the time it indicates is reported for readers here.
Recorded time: 3:18
